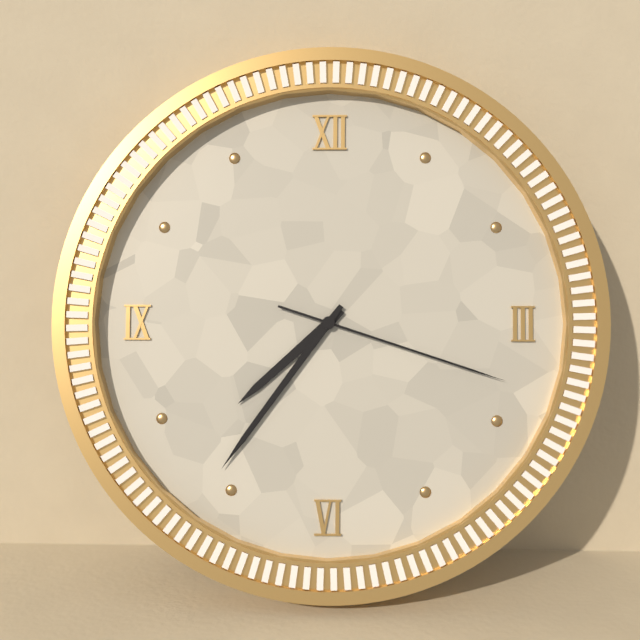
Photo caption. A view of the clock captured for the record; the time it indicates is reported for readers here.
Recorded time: 7:36:18
